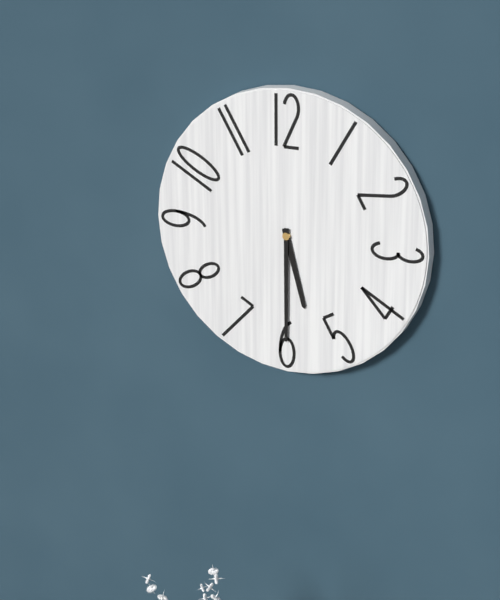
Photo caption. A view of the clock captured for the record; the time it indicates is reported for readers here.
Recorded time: 5:30
